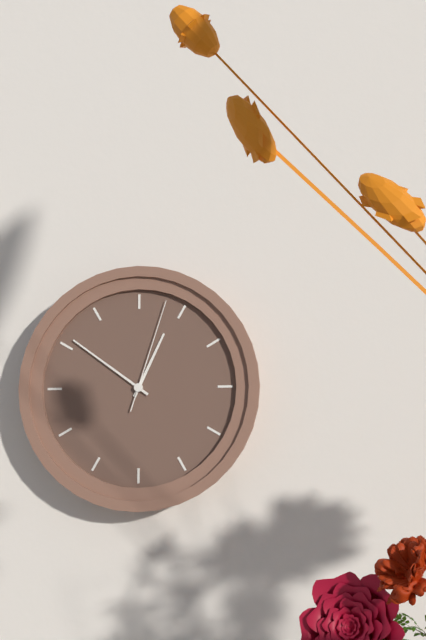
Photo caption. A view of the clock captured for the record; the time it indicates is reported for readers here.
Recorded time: 12:51:03
